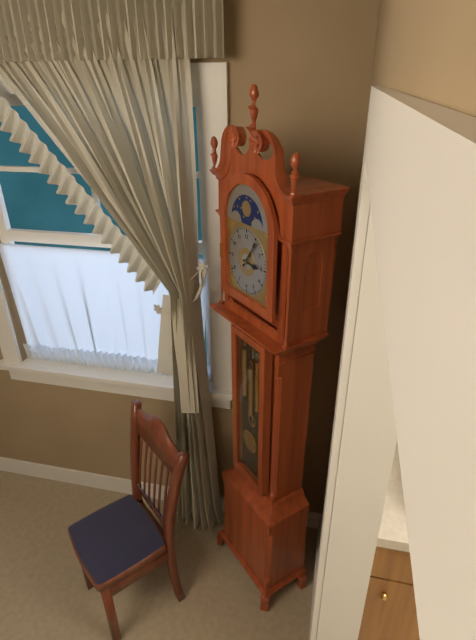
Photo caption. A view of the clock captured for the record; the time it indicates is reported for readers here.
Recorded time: 3:06
